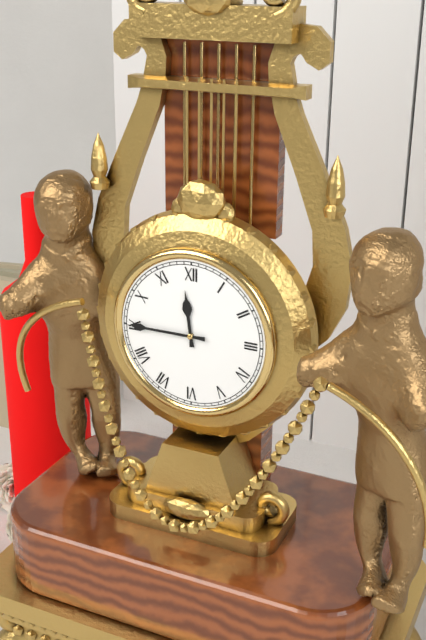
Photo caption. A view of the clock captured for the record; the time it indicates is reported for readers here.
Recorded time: 11:45
